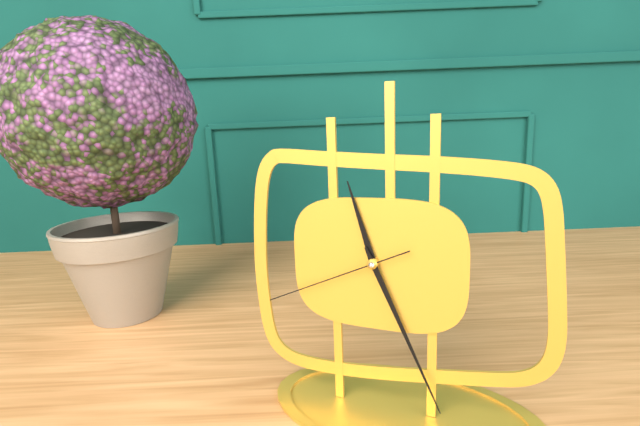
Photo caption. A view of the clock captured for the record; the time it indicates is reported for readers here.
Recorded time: 11:26:41
